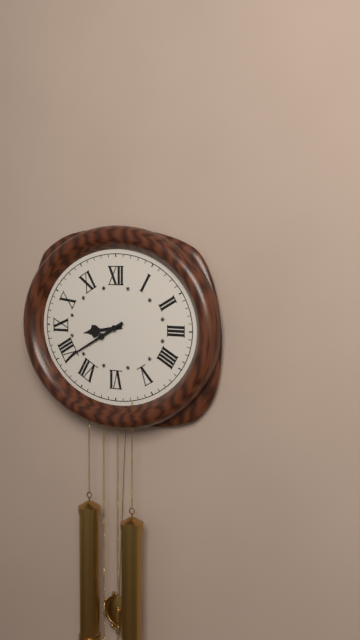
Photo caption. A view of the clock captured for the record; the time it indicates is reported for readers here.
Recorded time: 8:40
